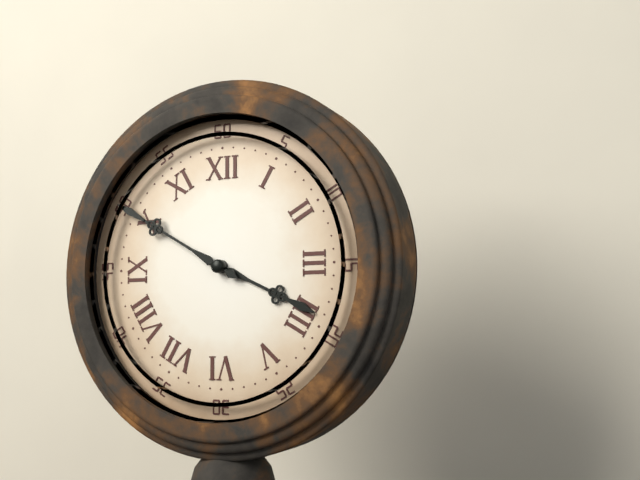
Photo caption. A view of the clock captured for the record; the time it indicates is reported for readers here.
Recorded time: 3:50
